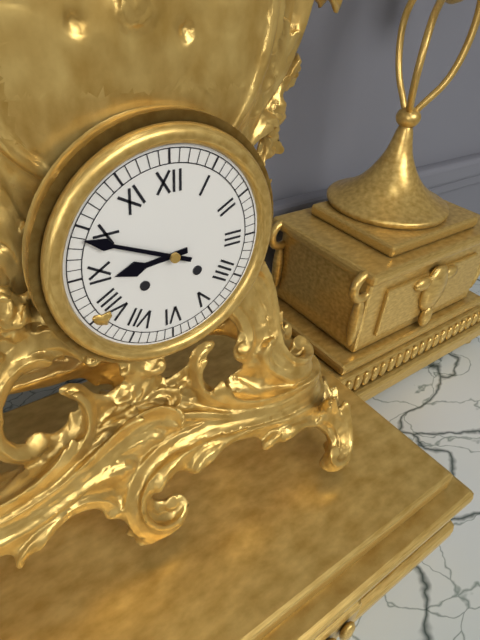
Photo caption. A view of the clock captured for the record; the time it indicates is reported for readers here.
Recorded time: 8:49
